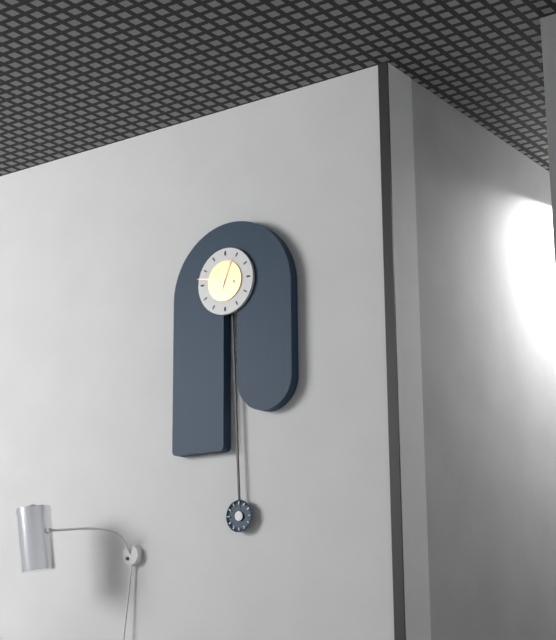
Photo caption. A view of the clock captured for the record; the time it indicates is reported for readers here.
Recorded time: 12:47
